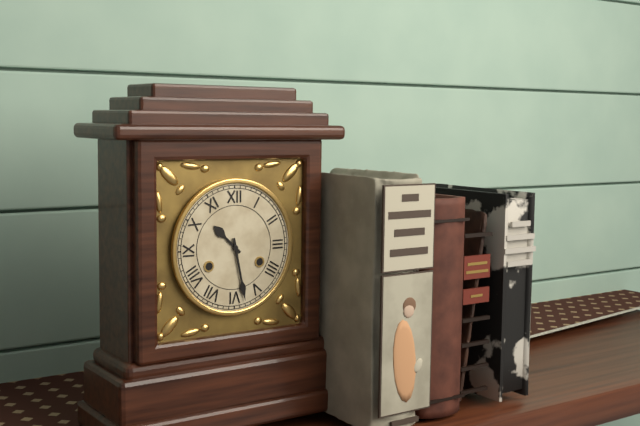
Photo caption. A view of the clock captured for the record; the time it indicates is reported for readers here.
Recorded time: 10:28
